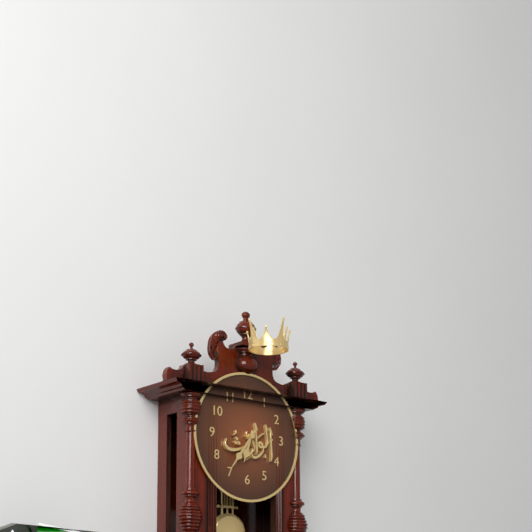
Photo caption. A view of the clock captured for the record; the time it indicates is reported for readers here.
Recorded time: 6:36
